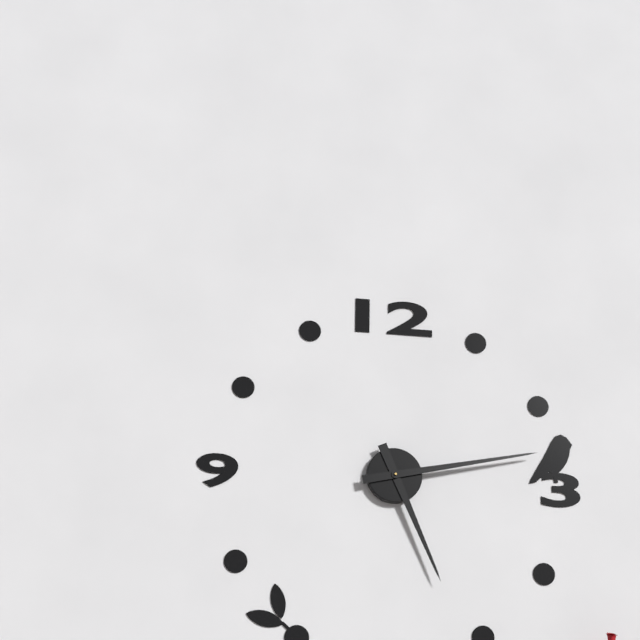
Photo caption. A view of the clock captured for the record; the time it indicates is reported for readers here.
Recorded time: 5:13
